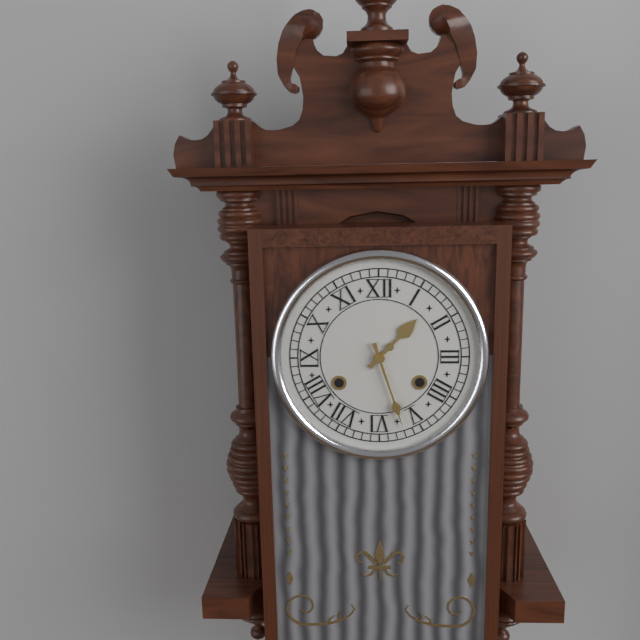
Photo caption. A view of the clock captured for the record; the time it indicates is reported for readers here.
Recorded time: 1:27
